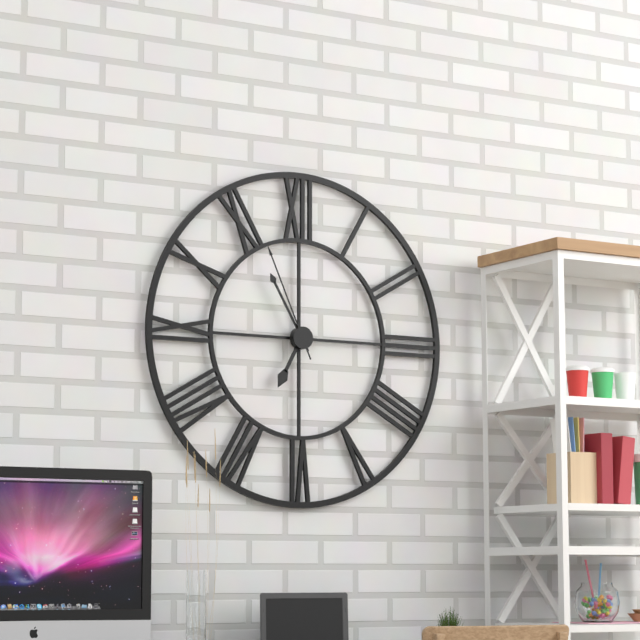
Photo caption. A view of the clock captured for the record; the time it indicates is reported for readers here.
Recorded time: 6:55:56
